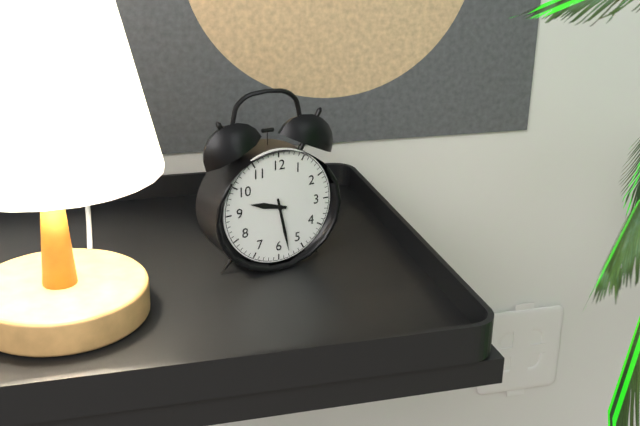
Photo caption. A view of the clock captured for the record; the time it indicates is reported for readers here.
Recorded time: 9:28
